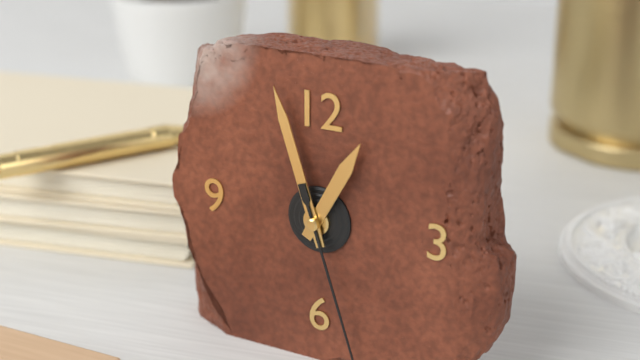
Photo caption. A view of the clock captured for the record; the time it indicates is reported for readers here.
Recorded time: 12:57
